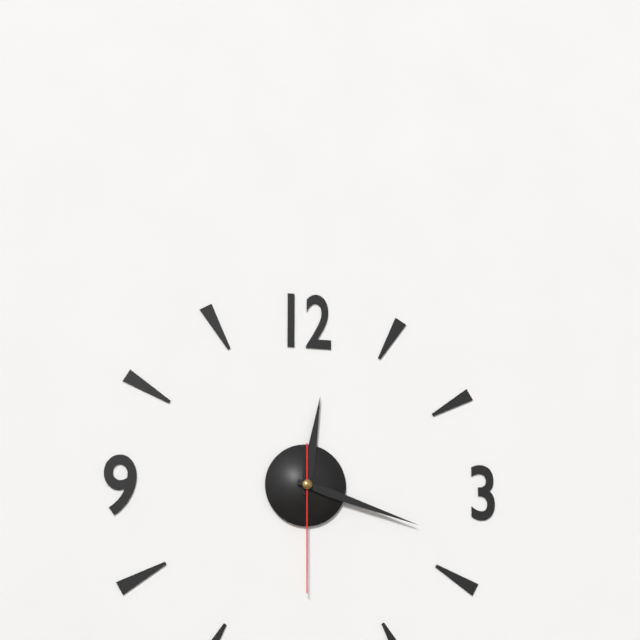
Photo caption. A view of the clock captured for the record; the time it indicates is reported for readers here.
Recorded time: 12:18:30
